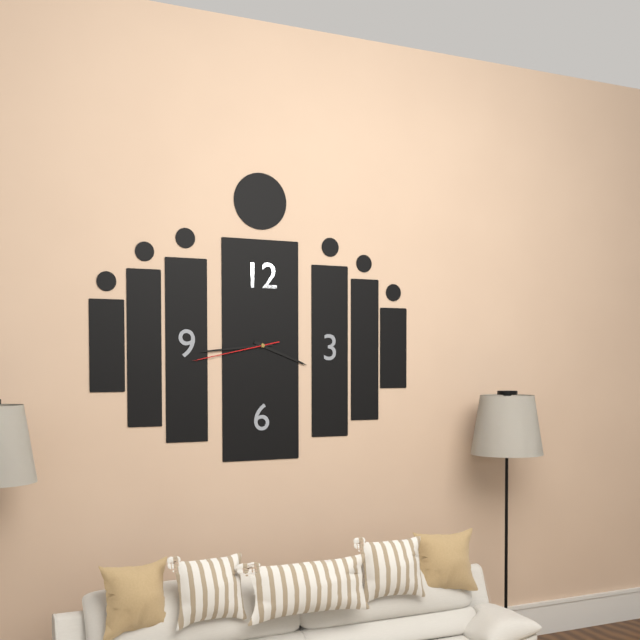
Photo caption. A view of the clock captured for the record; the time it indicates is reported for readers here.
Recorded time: 3:44:43
